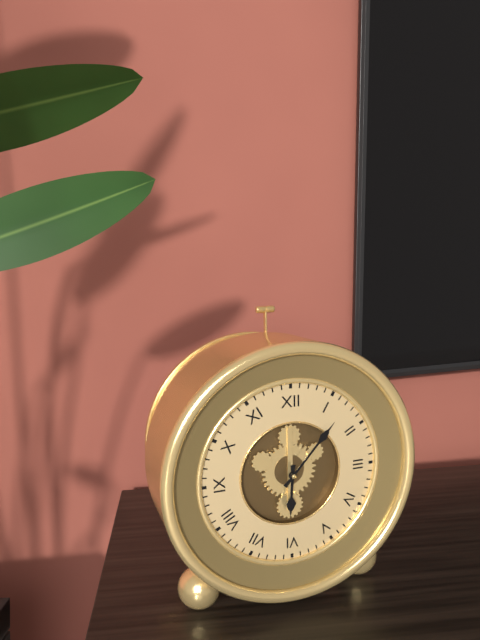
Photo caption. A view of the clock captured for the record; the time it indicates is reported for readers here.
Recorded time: 6:07
